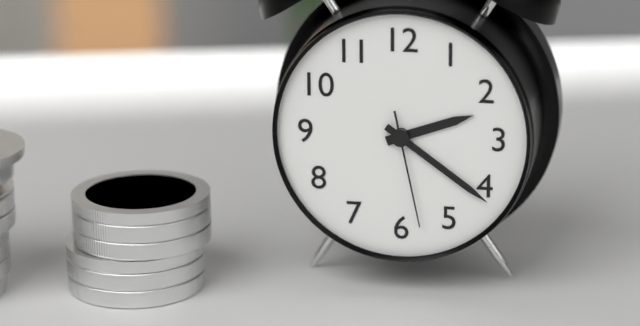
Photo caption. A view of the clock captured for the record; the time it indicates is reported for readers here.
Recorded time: 2:21:28
